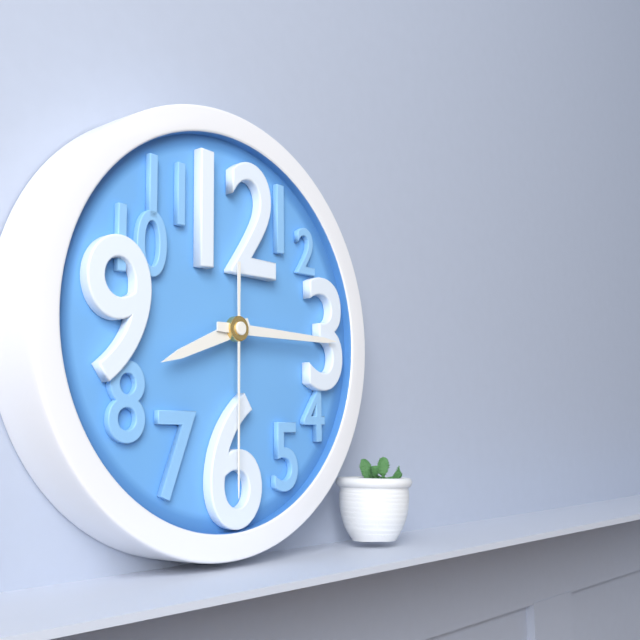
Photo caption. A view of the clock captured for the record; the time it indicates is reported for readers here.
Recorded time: 8:15:30
